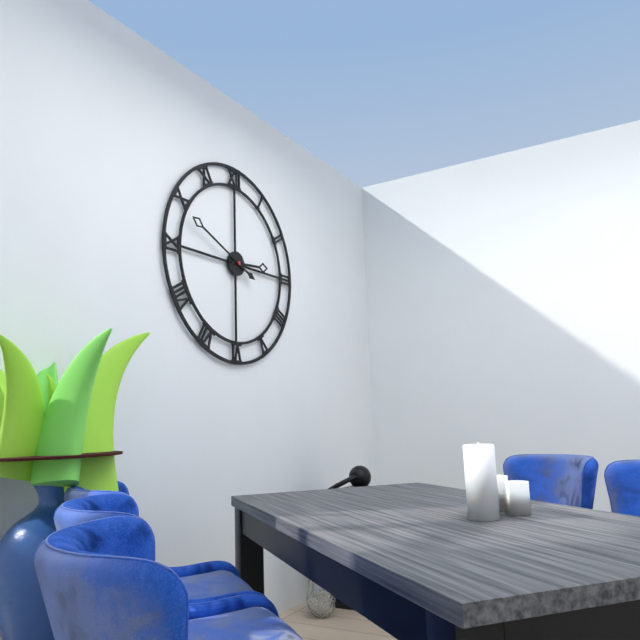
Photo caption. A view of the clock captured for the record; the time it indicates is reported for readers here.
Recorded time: 2:49
